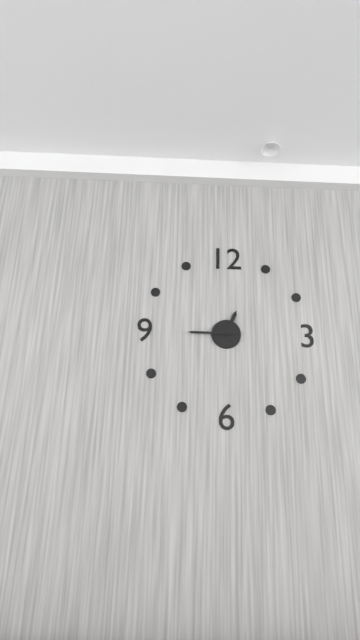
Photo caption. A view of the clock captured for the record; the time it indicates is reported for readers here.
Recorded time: 12:45
